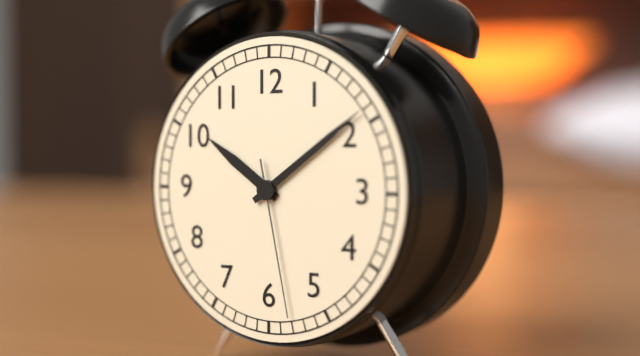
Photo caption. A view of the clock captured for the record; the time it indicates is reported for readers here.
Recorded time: 10:09:28
